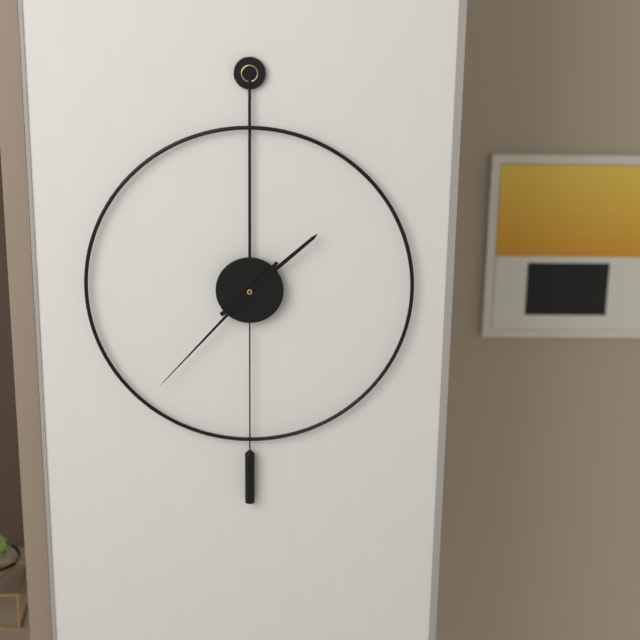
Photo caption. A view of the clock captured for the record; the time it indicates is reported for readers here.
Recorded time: 1:37
